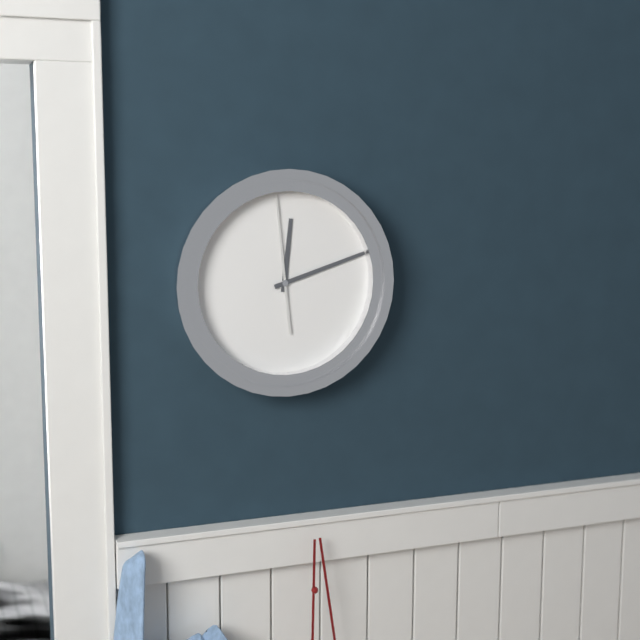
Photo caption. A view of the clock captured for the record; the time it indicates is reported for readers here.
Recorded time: 12:12:59
